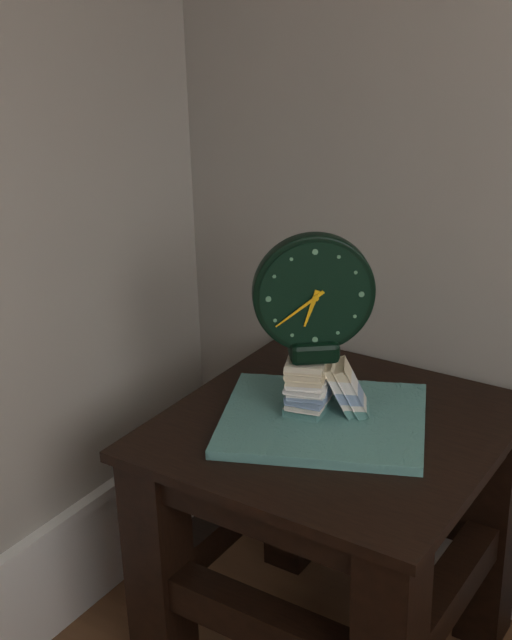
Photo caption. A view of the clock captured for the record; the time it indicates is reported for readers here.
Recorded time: 6:39
